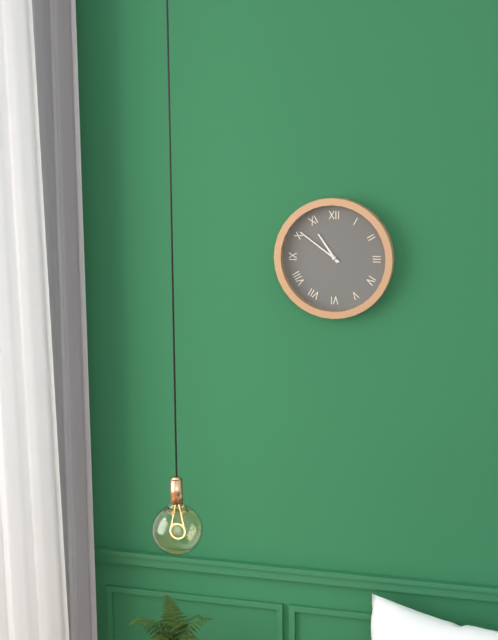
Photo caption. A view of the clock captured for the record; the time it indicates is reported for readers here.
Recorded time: 10:51
